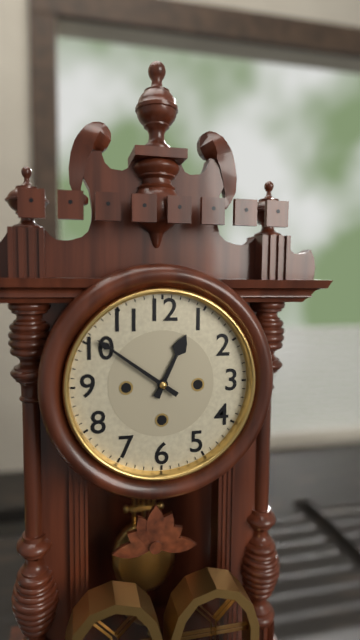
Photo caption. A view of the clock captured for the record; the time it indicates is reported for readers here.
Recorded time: 12:51
